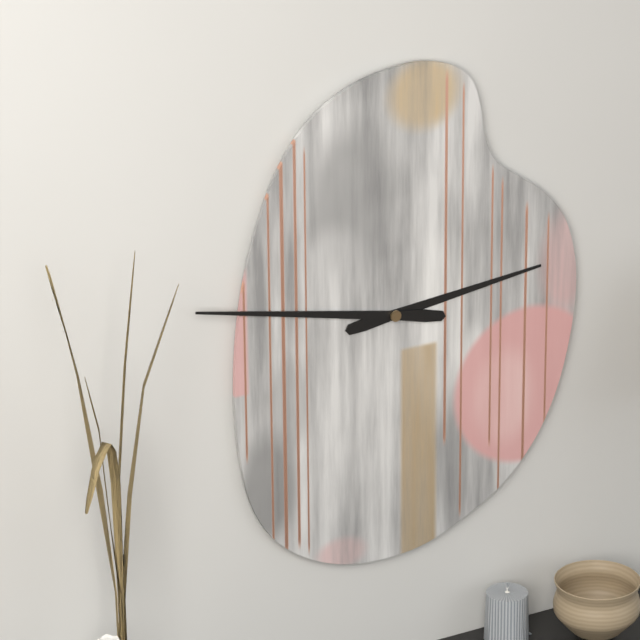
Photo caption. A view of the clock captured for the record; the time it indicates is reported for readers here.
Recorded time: 2:47
